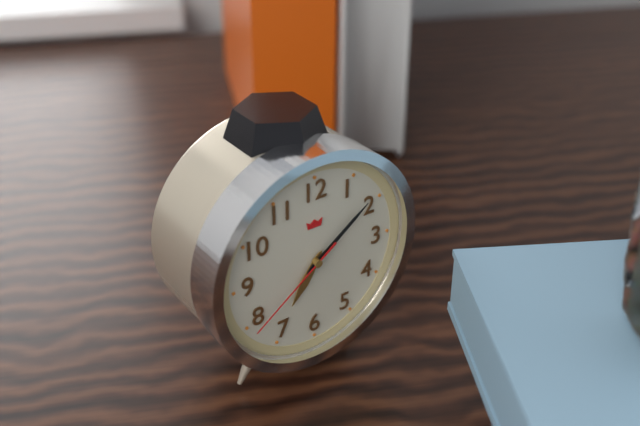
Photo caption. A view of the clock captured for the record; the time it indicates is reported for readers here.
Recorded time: 7:09:39
